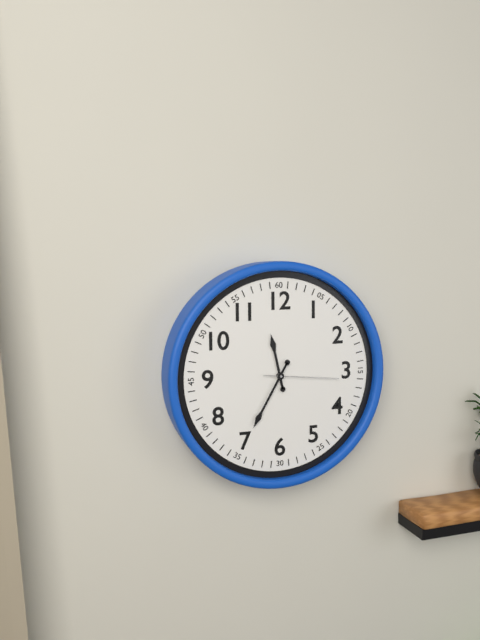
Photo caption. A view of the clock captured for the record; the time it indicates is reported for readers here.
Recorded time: 11:35:16
